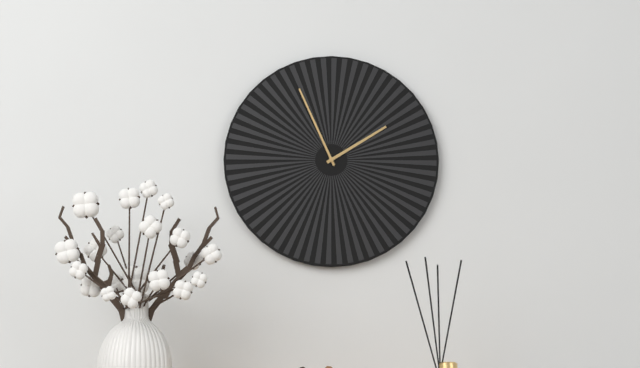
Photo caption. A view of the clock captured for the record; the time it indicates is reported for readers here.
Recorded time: 1:56
